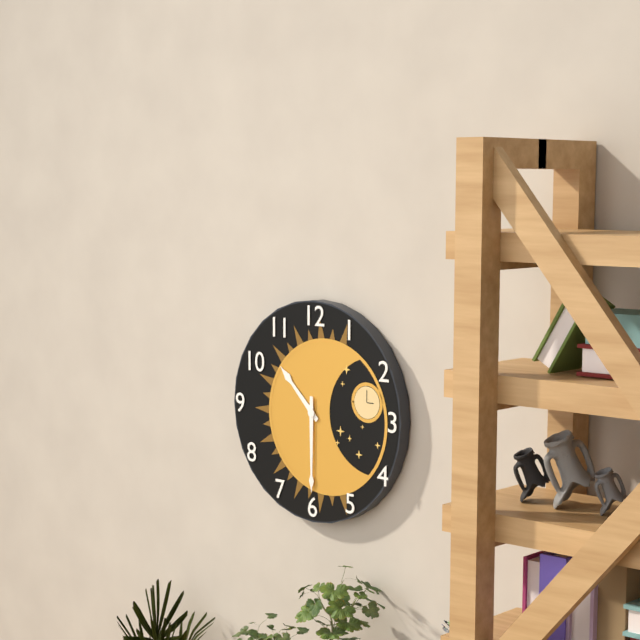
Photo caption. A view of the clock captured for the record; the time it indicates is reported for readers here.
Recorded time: 10:30
